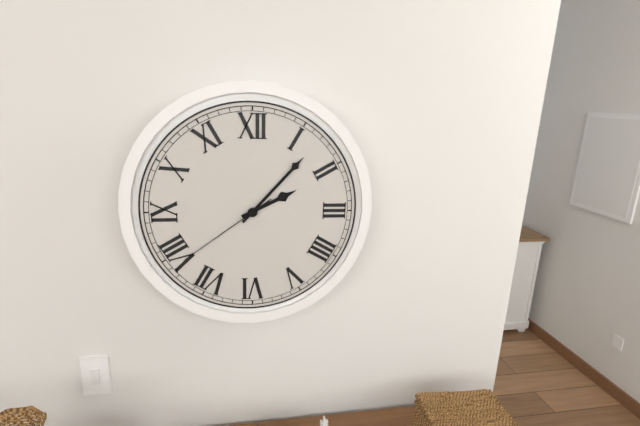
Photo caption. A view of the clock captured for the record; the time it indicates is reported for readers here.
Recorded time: 2:07:39
